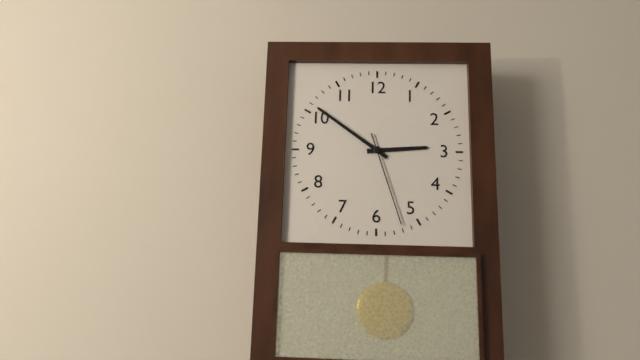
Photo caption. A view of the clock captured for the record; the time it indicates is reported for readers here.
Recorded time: 2:51:27
